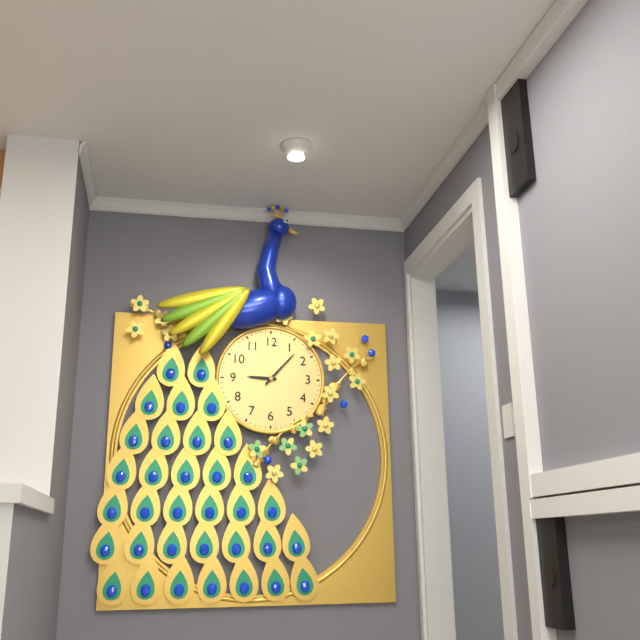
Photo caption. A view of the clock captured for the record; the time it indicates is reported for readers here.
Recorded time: 9:07
